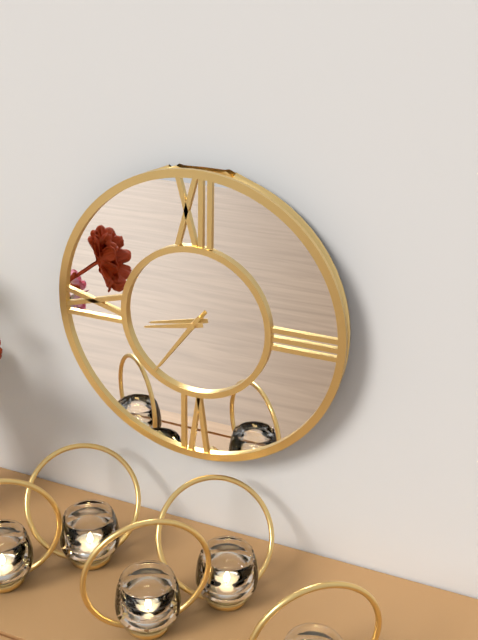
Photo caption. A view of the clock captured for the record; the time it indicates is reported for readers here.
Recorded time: 8:36
